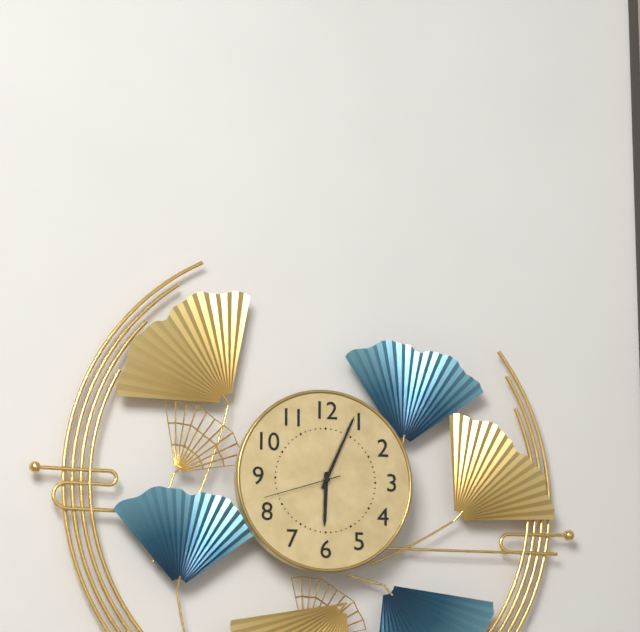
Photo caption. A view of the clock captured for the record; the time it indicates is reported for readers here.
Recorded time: 6:04:42
